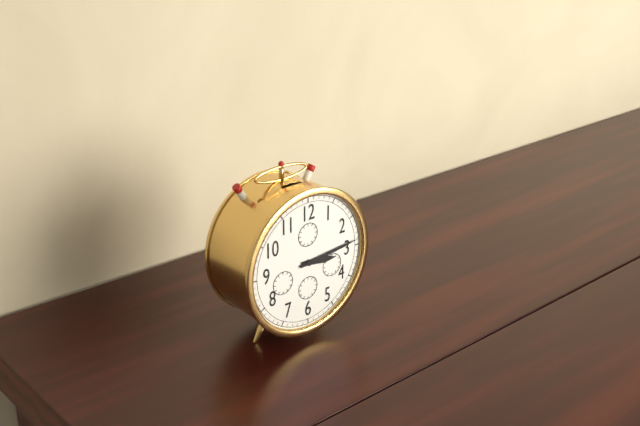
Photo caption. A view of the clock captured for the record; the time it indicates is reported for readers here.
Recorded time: 3:14
